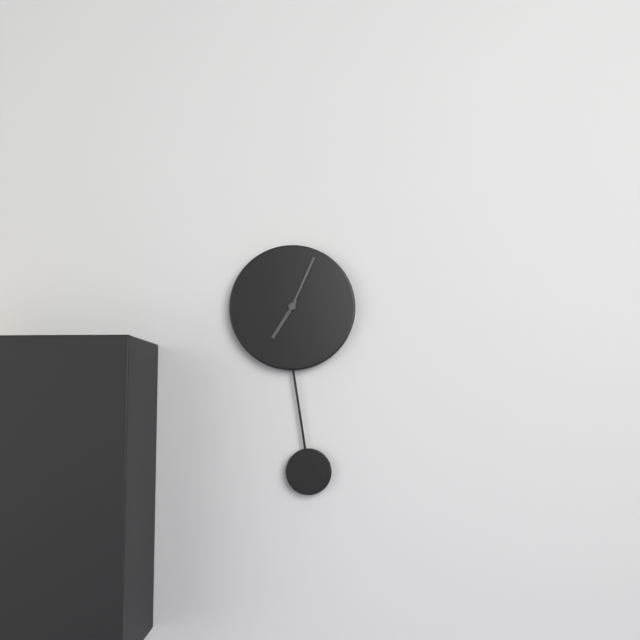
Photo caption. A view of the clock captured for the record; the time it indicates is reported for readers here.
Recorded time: 7:04
